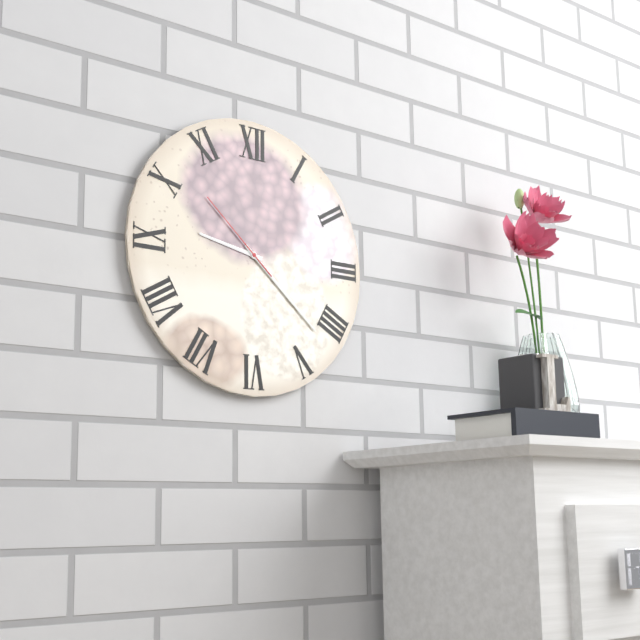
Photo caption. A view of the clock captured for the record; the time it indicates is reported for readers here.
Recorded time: 9:22:52
